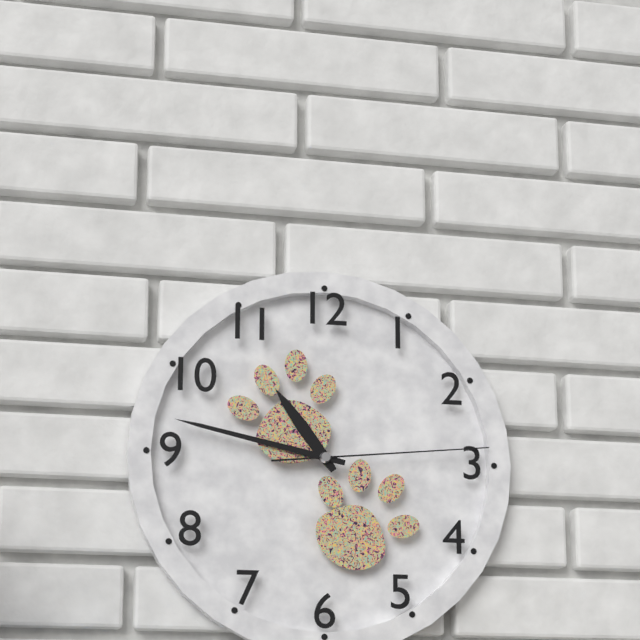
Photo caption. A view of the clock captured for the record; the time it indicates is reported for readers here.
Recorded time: 10:47:14
